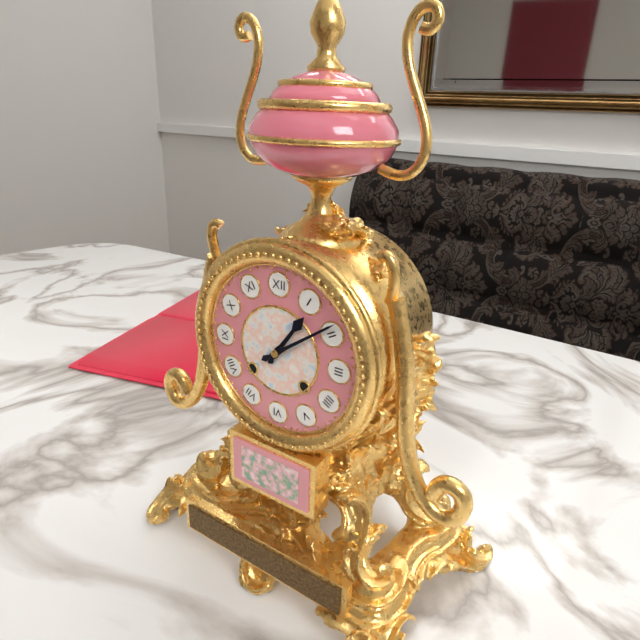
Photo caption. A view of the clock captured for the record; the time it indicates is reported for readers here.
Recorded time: 1:09
